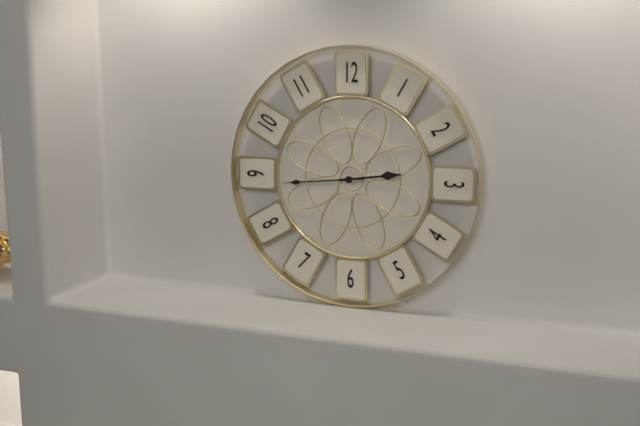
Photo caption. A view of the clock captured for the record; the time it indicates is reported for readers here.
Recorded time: 2:44
